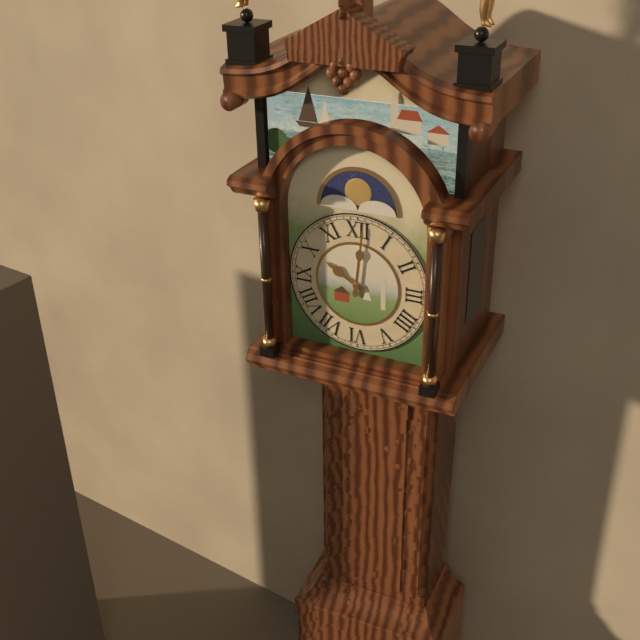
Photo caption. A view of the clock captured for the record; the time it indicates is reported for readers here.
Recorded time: 10:01
